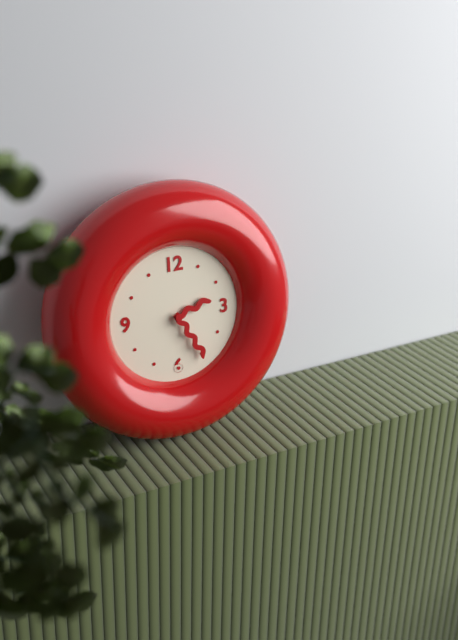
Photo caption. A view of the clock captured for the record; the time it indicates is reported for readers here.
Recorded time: 2:25
